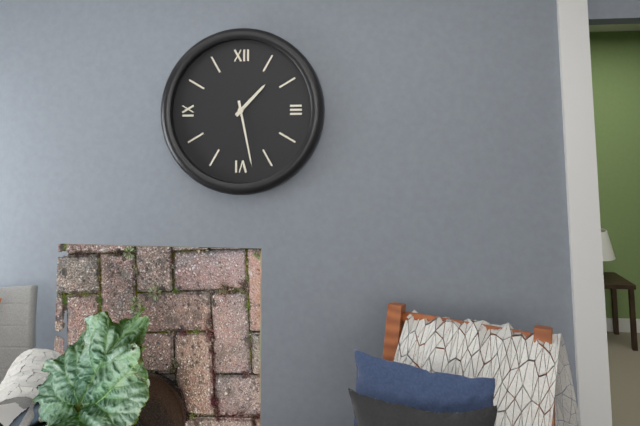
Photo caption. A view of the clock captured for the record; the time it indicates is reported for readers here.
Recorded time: 1:28
